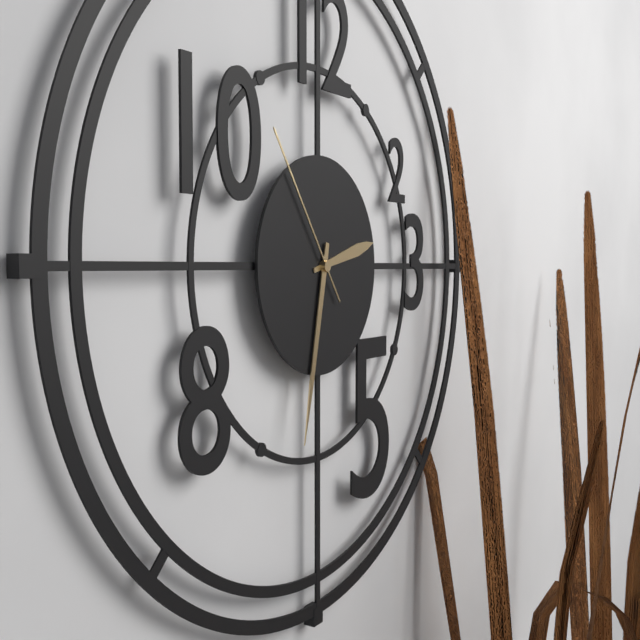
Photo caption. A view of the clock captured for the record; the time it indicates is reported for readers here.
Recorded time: 2:32:54
